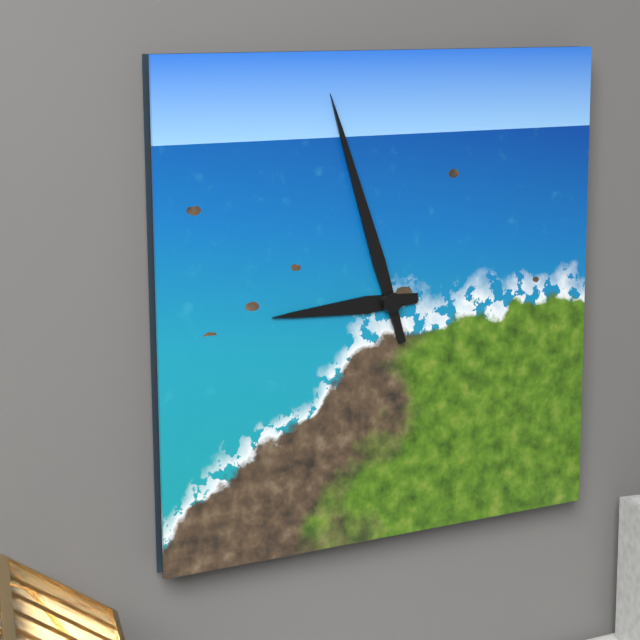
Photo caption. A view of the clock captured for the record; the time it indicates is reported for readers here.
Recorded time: 8:57
